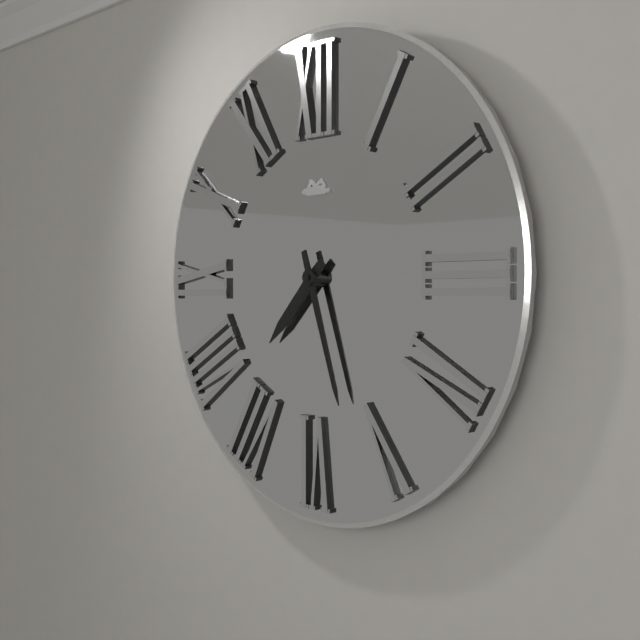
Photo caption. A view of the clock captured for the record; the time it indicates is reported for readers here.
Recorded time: 7:27
